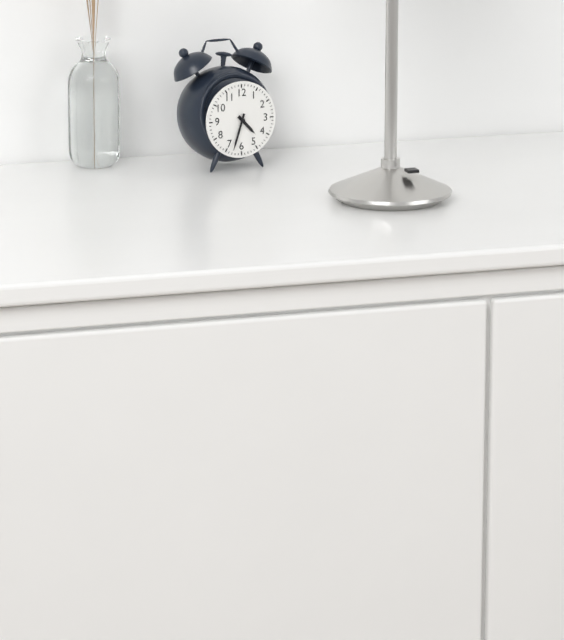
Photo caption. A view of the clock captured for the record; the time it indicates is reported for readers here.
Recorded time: 4:33
